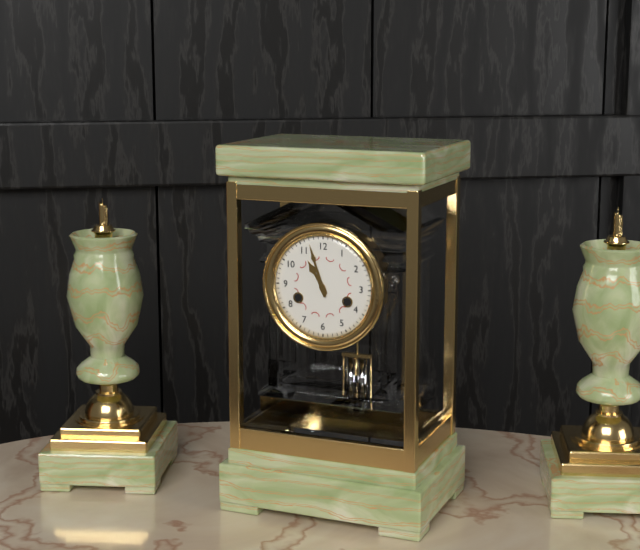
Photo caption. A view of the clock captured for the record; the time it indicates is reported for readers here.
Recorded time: 10:57
